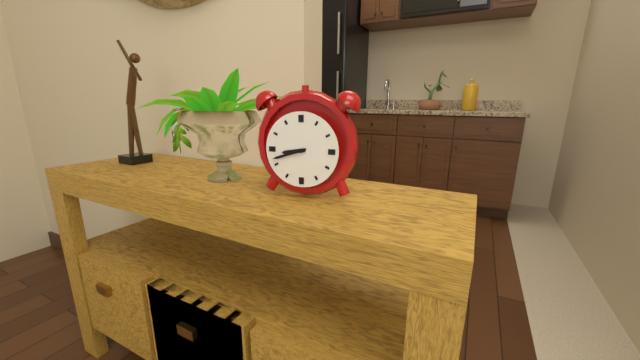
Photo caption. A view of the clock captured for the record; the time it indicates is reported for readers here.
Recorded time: 8:42
